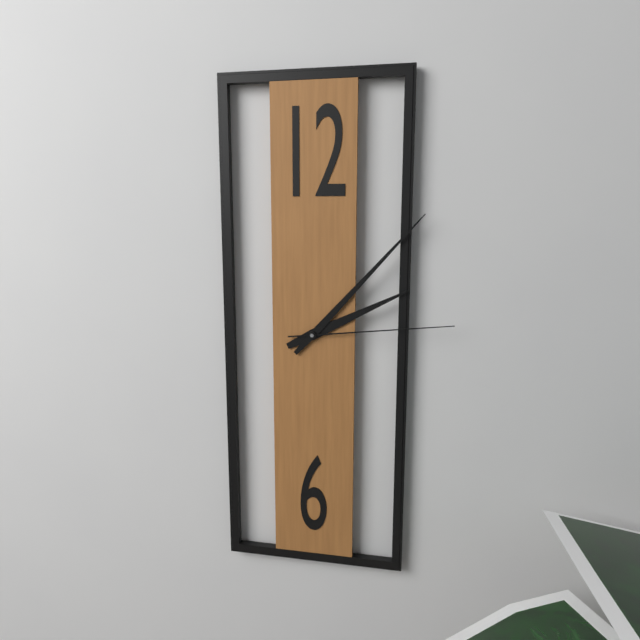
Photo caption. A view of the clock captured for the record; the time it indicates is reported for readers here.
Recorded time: 2:07:14
